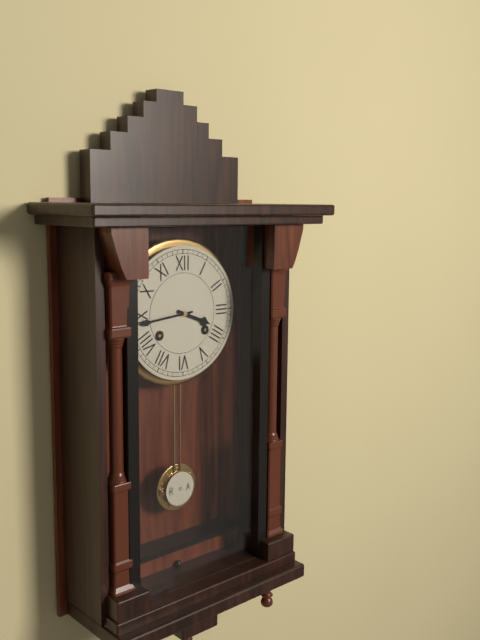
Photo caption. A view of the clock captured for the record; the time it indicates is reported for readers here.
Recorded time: 3:44
